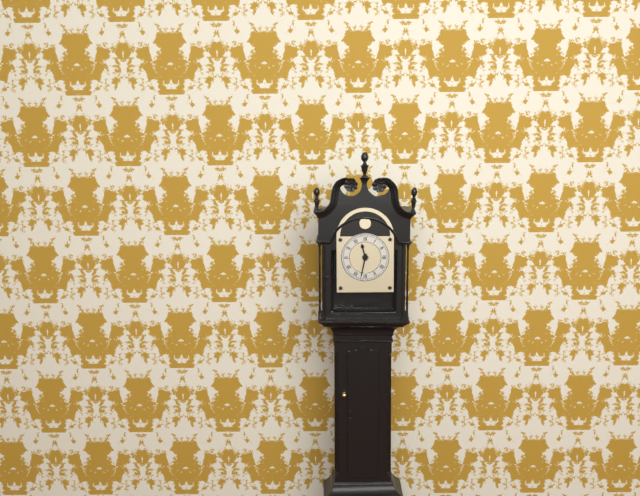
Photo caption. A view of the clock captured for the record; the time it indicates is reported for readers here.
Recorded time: 11:32
